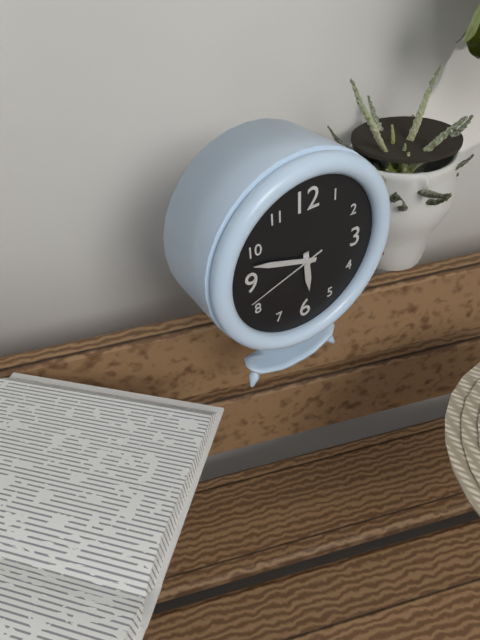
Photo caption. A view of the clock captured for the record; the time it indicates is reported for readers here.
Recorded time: 5:48:42
